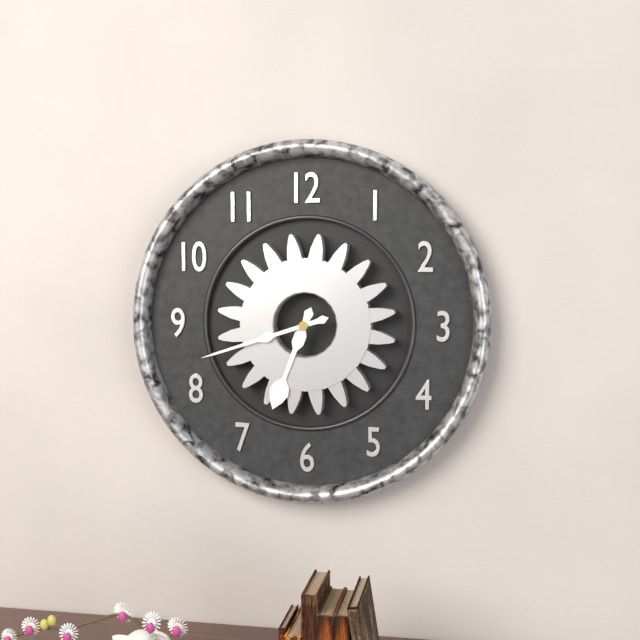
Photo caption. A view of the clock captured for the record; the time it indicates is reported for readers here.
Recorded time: 6:42
